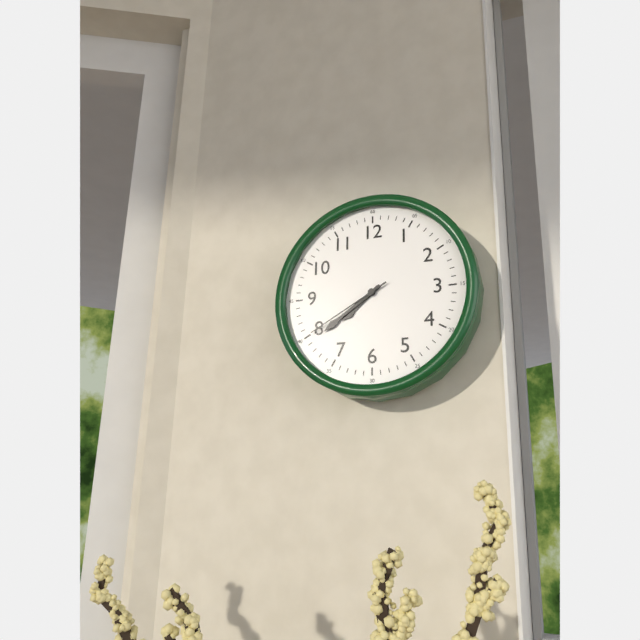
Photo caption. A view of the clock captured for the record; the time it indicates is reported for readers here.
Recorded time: 7:39:40
